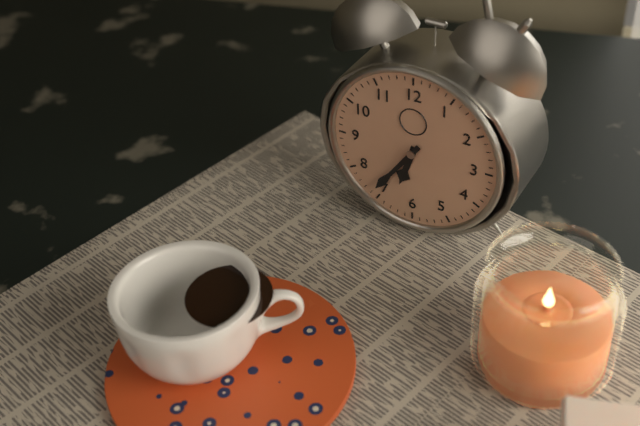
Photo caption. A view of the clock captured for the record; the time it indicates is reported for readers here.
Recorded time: 6:36
